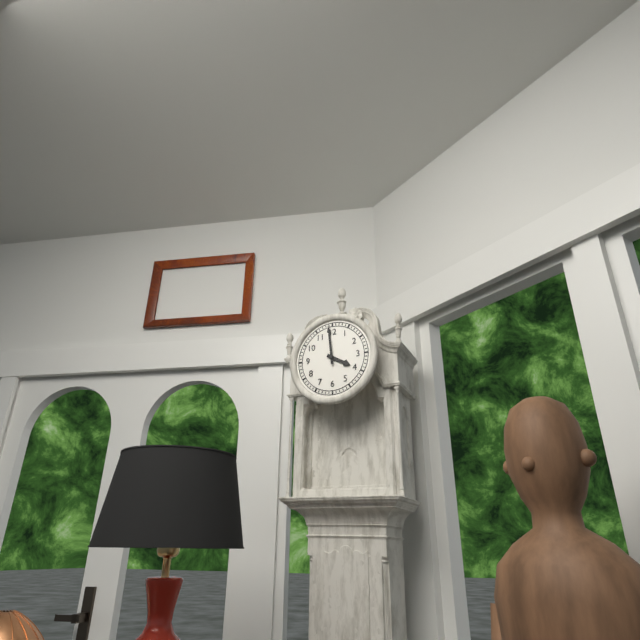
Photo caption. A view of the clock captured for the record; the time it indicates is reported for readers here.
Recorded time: 3:59
